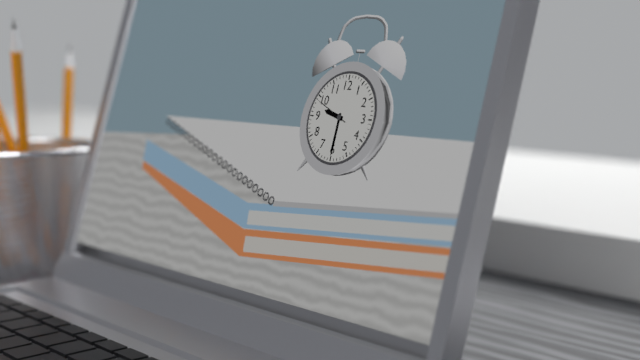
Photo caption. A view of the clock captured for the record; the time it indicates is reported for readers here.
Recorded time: 9:30
